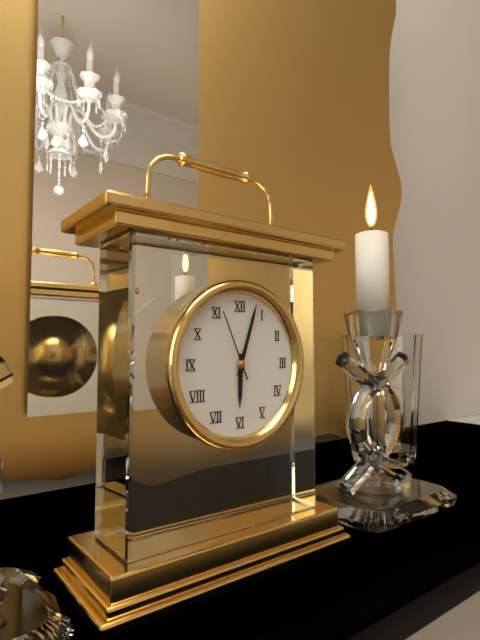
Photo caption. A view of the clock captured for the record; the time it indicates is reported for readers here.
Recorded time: 6:03:56
